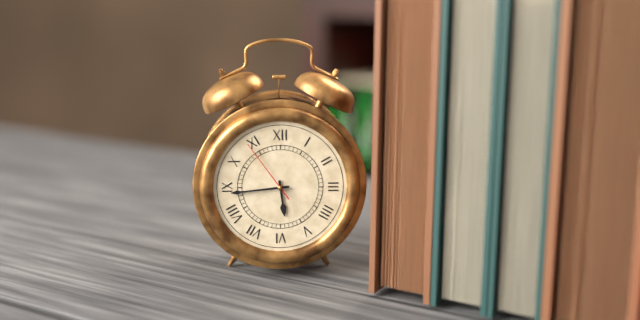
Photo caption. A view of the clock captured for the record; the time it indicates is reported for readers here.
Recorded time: 5:44:54
